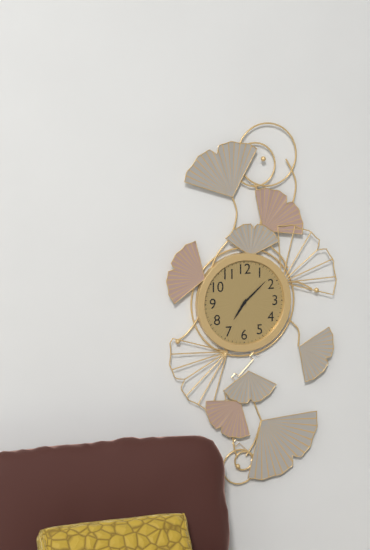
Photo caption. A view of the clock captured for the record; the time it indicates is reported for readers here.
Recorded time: 7:08
